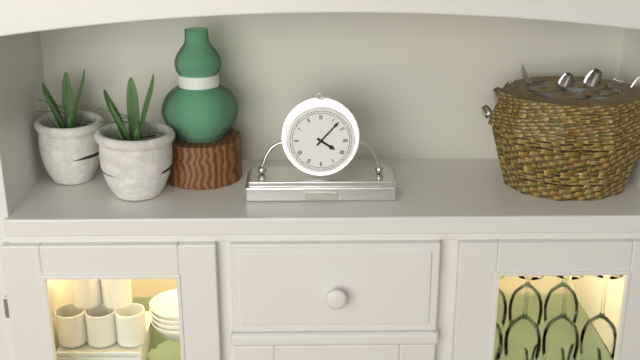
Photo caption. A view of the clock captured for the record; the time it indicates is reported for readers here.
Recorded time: 4:07
